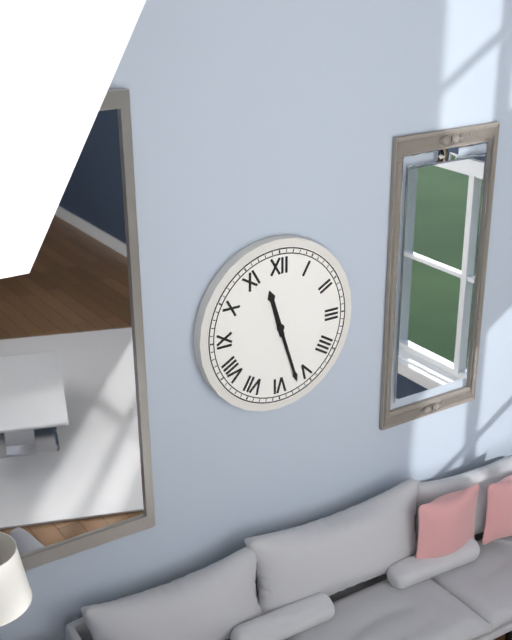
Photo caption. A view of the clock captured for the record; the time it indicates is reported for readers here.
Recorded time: 11:27
